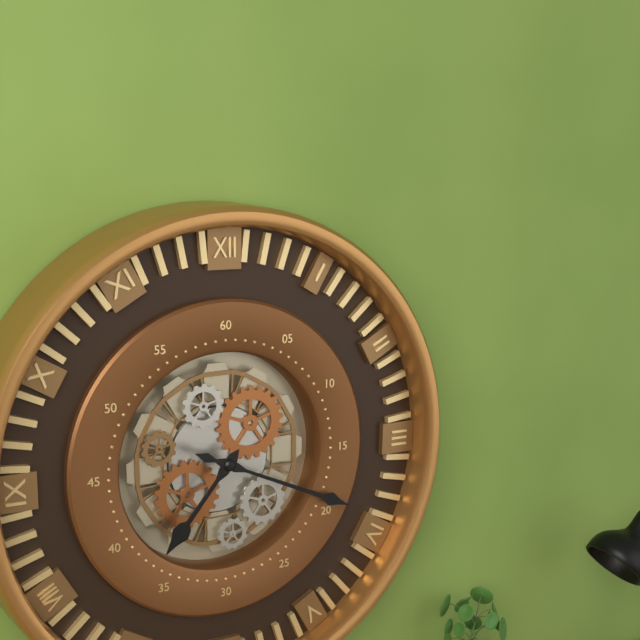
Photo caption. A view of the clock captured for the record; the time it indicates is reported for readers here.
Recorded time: 7:19
